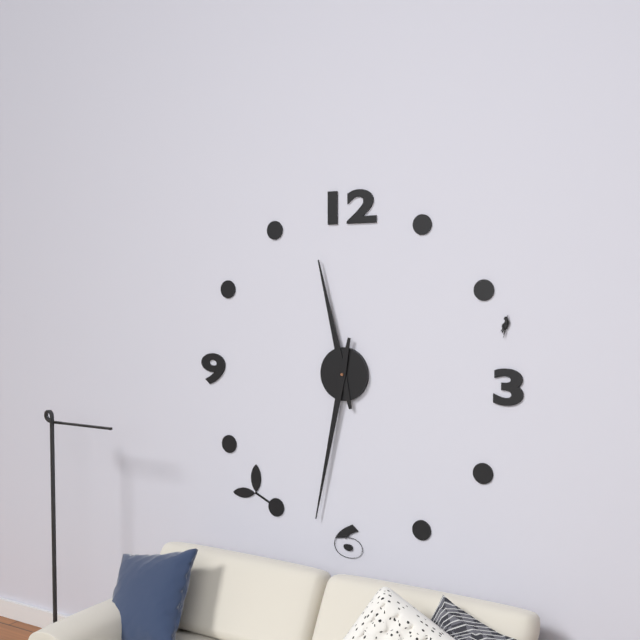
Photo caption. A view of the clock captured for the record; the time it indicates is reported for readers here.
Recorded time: 11:32
